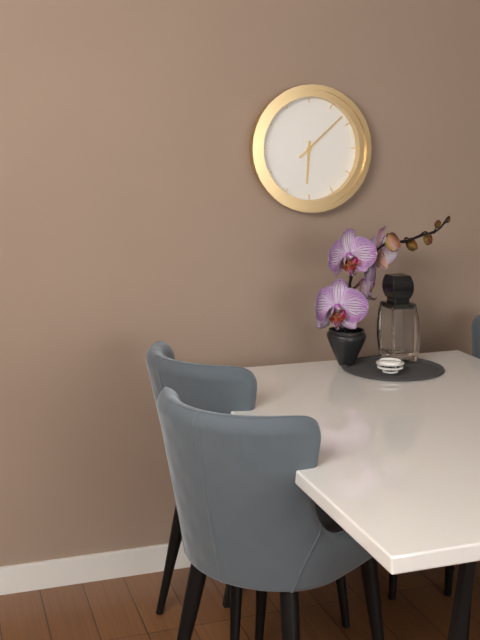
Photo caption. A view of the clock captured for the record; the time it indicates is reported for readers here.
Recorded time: 6:08
